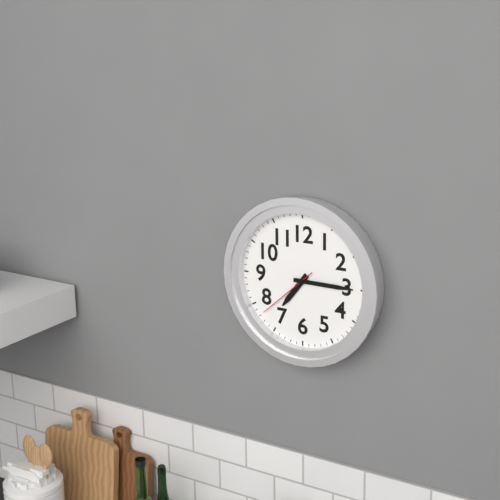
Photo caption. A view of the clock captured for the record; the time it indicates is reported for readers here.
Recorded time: 7:15:38
